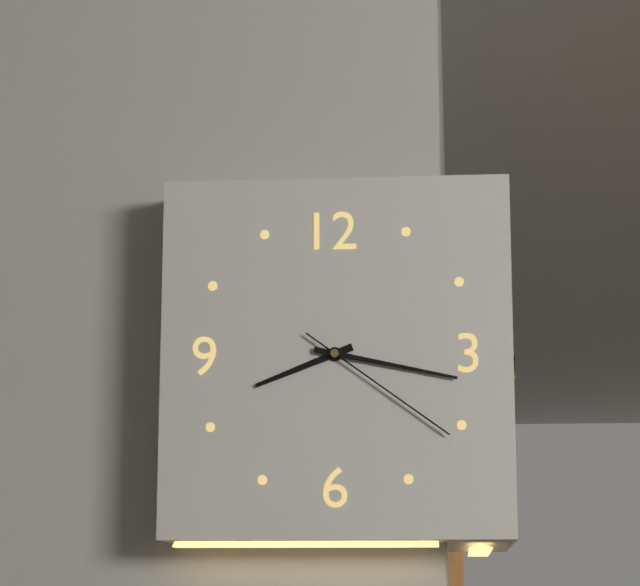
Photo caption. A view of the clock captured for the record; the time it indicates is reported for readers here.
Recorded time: 8:17:21
